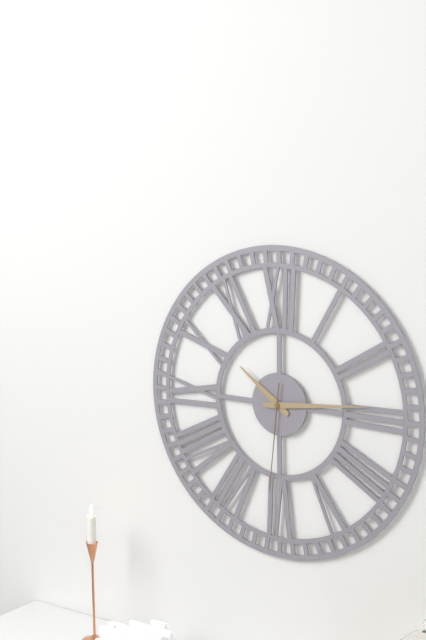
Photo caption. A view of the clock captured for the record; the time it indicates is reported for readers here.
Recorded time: 10:14:31
